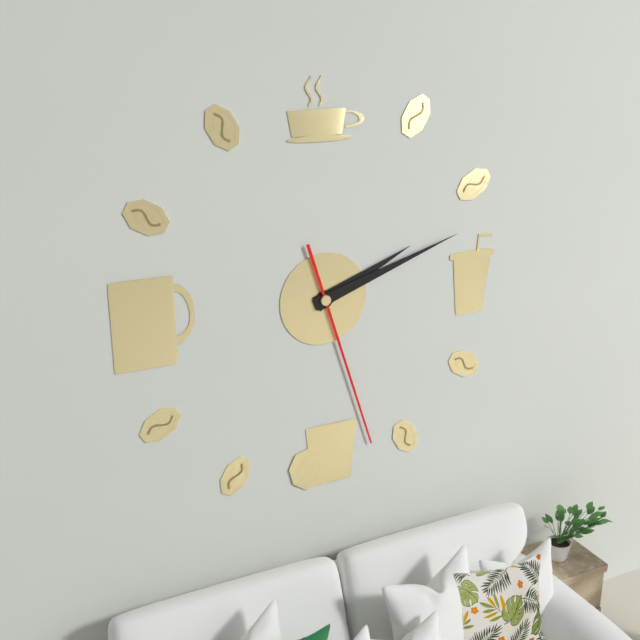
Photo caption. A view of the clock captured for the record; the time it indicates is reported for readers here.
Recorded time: 2:12:27
